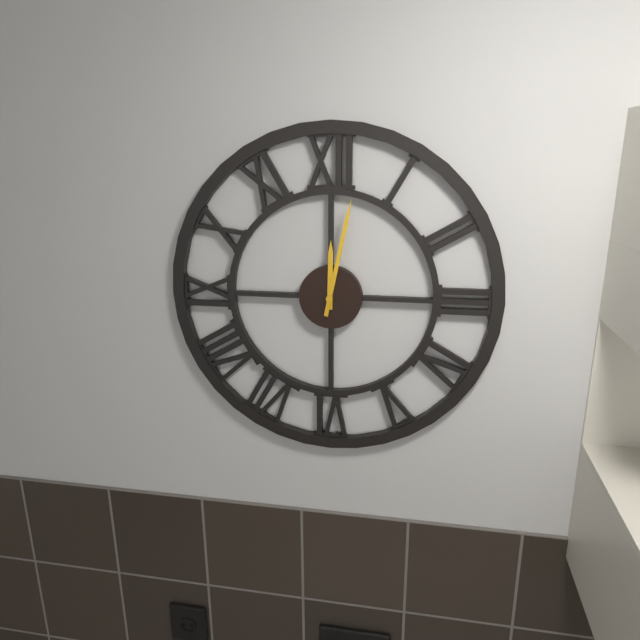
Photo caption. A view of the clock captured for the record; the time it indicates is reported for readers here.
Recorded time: 12:02
